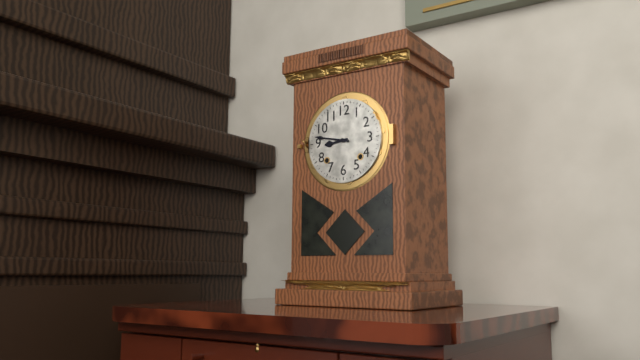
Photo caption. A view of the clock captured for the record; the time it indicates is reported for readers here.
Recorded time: 8:47
